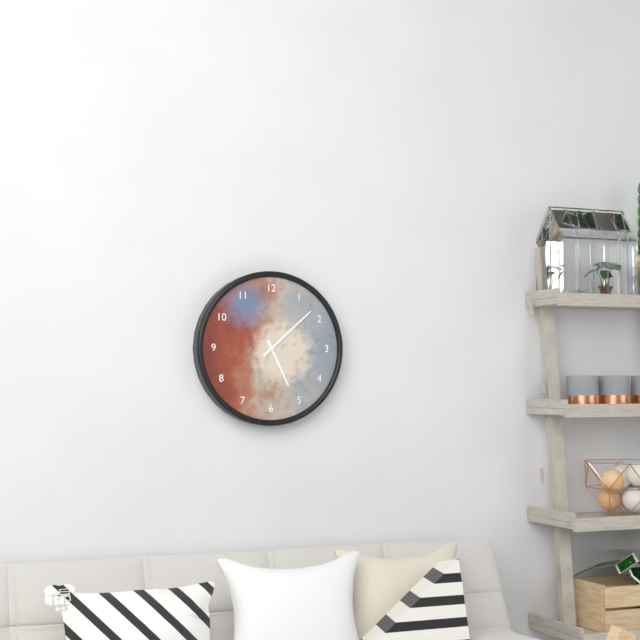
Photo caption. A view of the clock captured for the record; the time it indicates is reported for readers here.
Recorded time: 5:08
